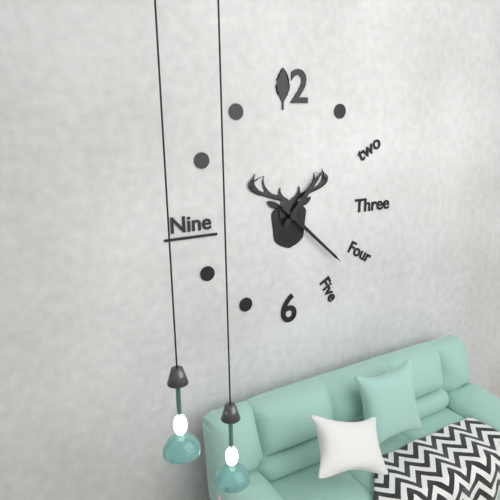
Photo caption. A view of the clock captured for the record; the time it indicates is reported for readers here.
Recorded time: 1:22
